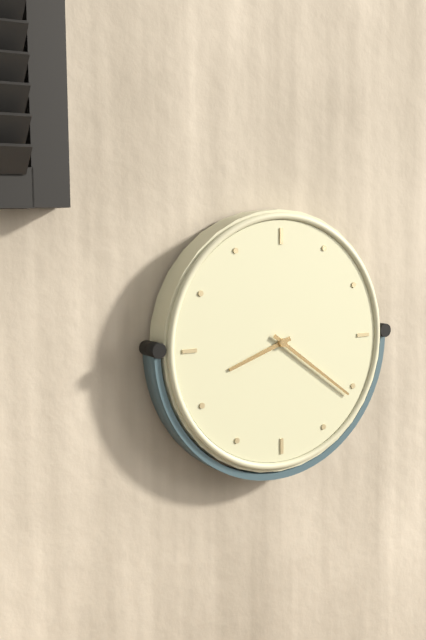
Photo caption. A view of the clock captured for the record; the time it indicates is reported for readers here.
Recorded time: 8:21
